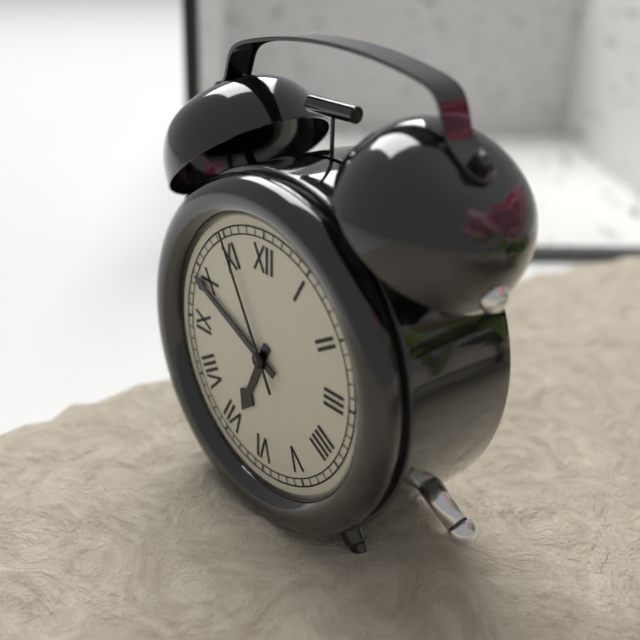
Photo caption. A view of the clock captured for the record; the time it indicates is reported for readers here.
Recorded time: 6:49:55
